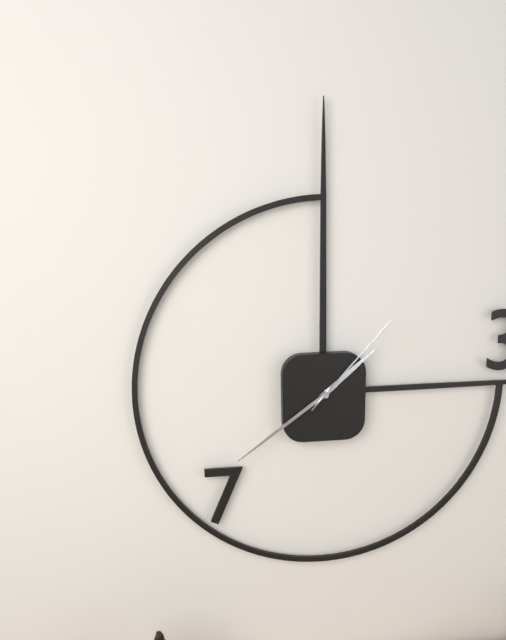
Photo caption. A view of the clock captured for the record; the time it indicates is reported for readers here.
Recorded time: 1:39:07
